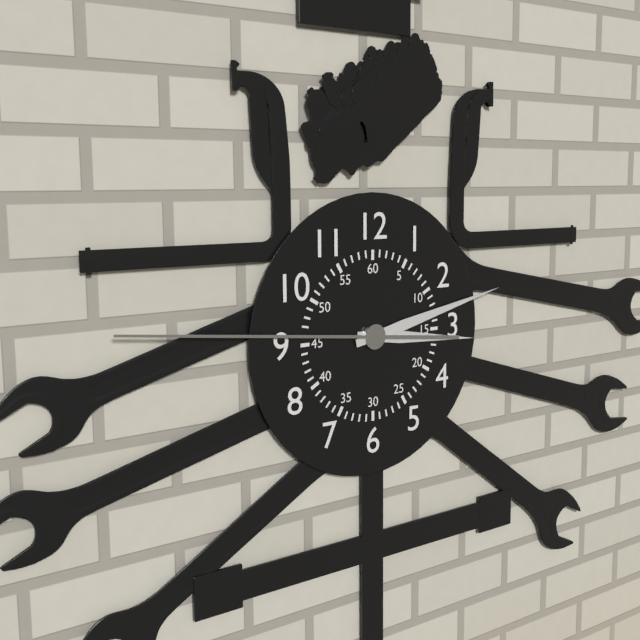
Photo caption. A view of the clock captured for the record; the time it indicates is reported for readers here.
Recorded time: 3:13:46
